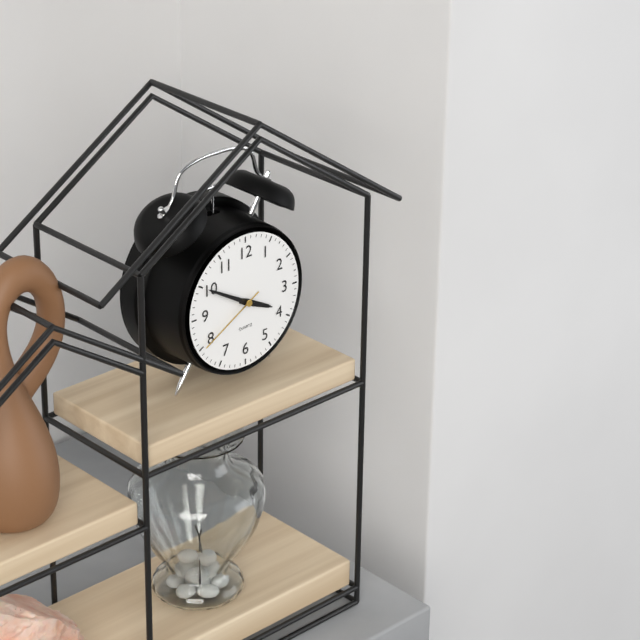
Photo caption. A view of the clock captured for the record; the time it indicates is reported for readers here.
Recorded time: 3:50:40
